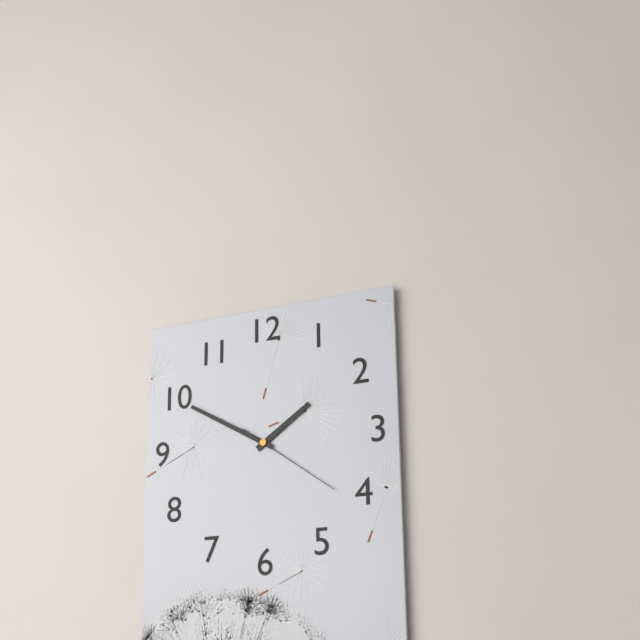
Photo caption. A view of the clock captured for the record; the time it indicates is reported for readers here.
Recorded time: 1:50:21
